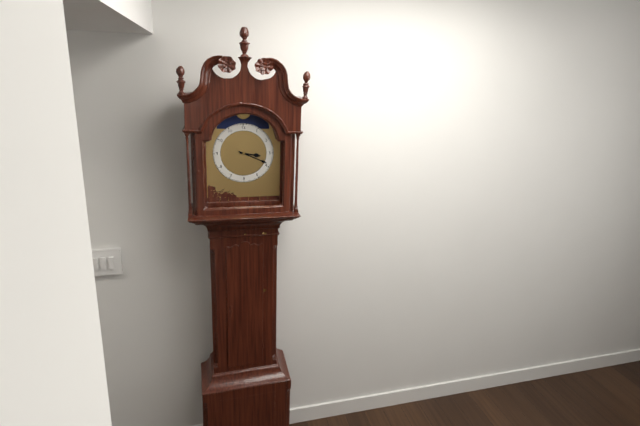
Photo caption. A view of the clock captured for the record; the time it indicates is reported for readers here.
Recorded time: 3:19
